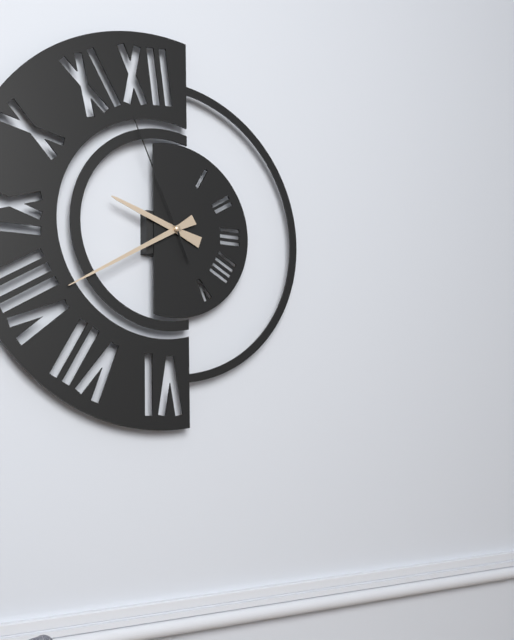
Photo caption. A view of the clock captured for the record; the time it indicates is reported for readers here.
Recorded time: 9:40:56
